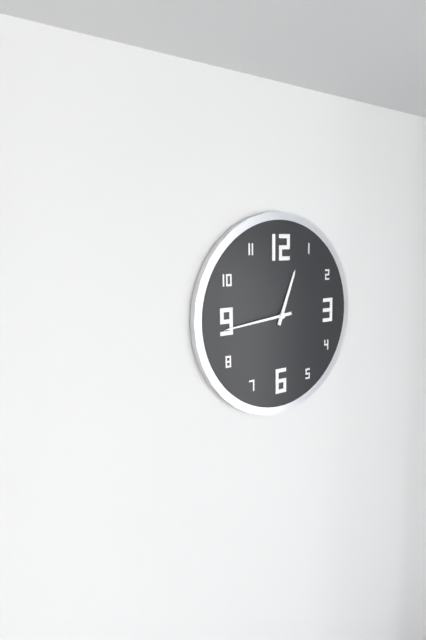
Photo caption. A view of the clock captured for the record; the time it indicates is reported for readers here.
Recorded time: 12:44
